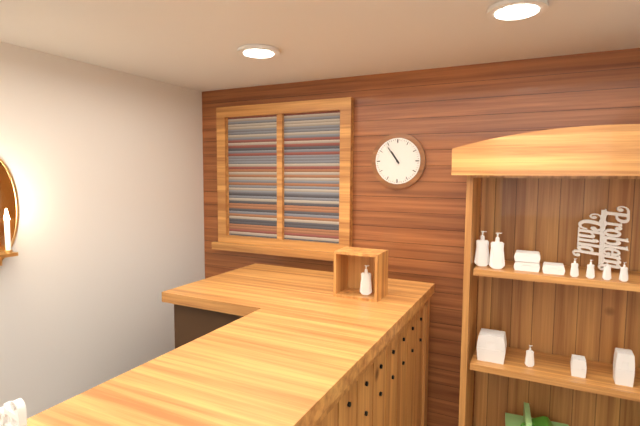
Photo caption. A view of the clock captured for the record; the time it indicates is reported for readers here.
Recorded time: 10:54
